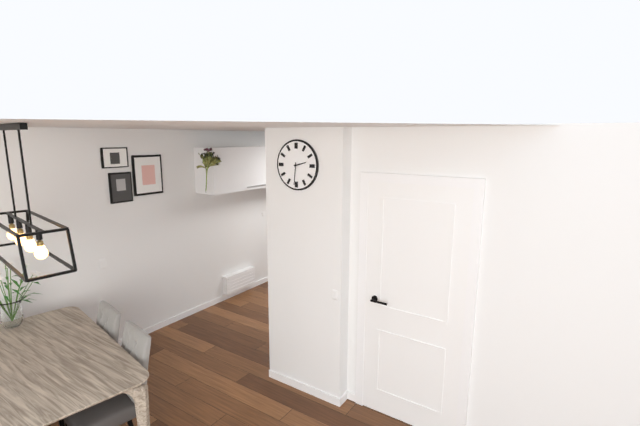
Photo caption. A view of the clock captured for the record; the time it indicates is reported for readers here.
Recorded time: 2:31
